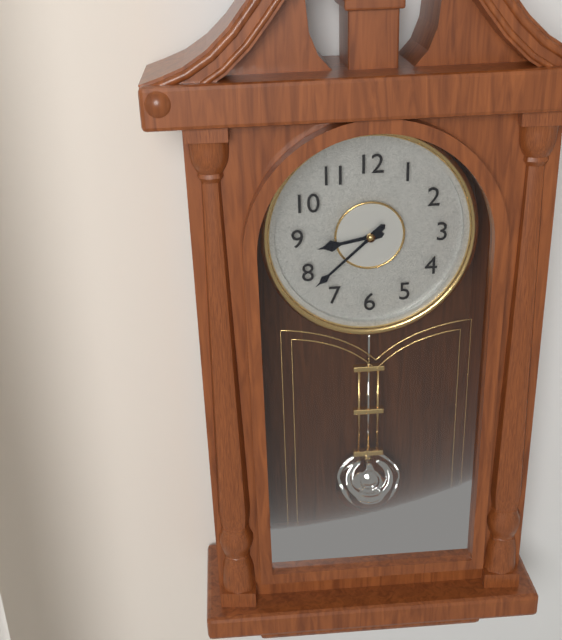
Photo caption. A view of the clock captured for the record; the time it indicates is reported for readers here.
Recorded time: 8:38
